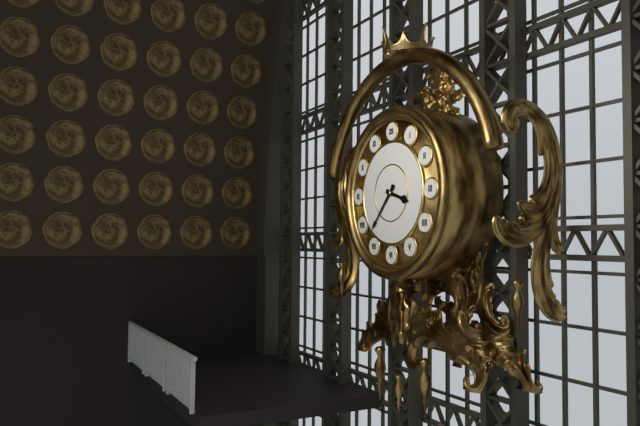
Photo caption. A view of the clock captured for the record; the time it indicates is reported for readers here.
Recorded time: 3:37
